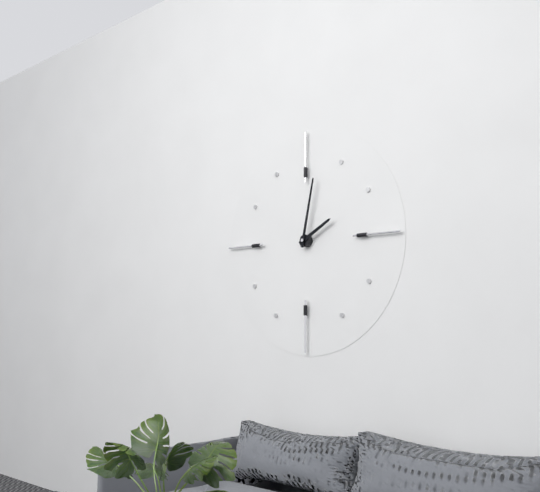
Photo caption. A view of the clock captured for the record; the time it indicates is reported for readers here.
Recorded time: 2:02
